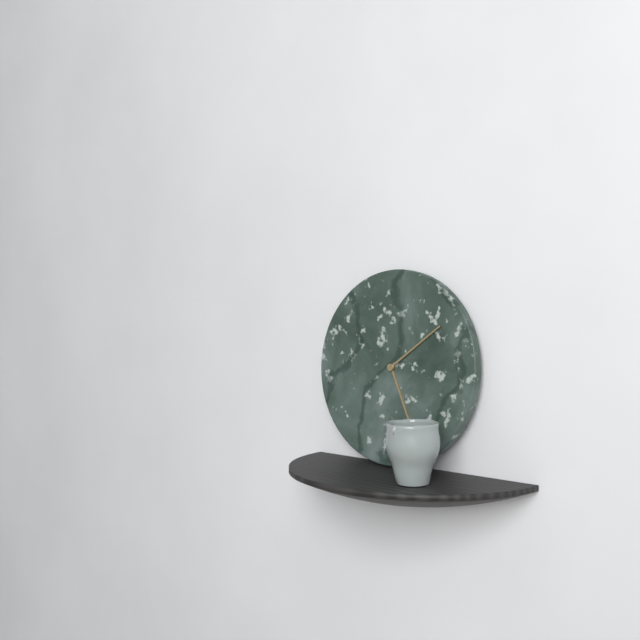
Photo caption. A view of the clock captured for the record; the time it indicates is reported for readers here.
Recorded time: 5:09
